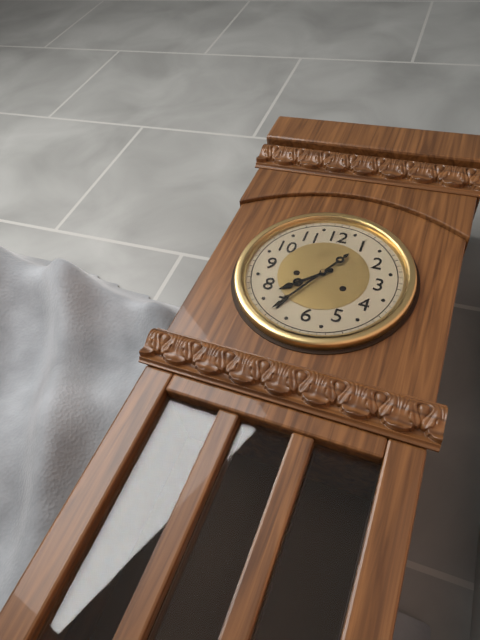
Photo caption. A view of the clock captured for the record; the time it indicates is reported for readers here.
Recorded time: 7:35
